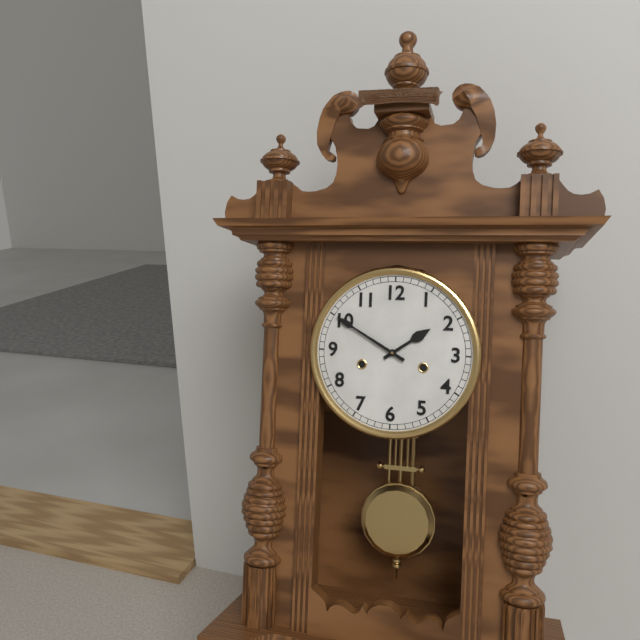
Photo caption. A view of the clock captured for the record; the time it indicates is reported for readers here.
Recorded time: 1:50
